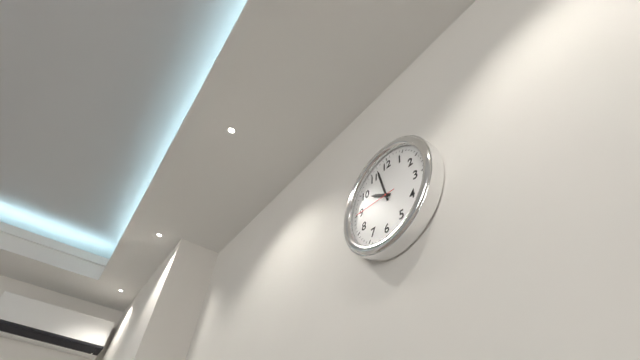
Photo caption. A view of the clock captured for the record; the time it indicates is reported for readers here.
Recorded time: 9:57
